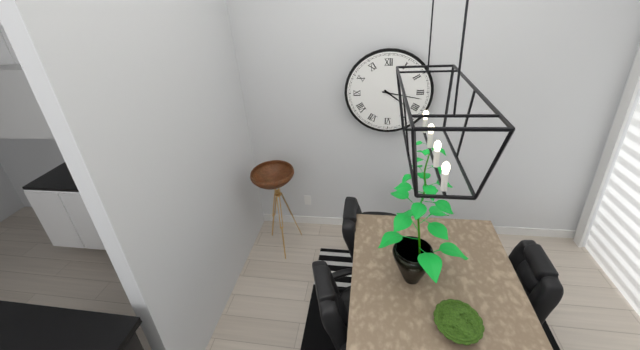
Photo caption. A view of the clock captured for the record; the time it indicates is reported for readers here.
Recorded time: 4:17
